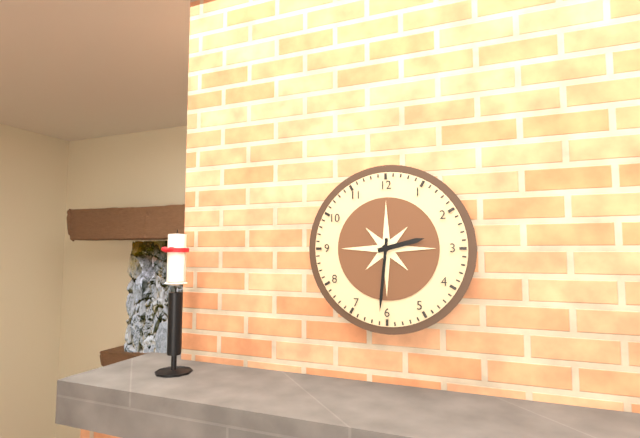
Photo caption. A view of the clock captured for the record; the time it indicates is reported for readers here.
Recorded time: 2:31
